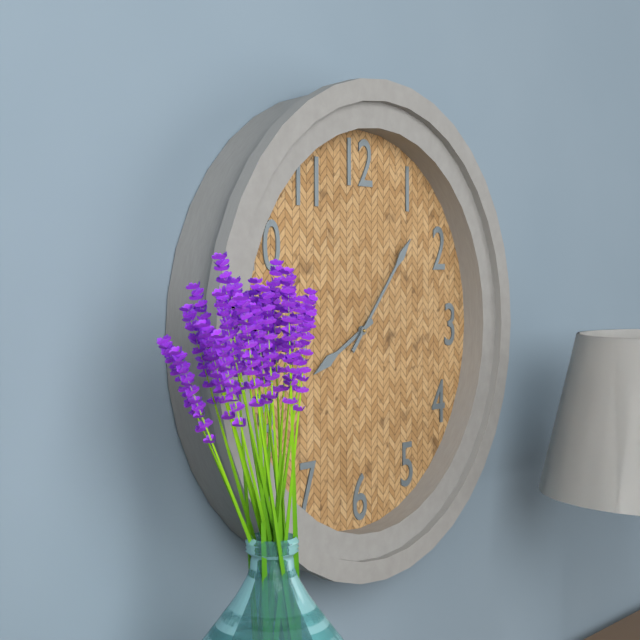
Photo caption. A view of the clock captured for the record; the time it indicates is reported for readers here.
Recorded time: 8:07
